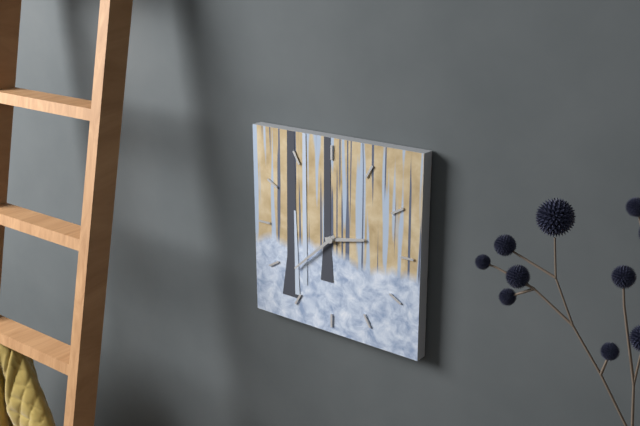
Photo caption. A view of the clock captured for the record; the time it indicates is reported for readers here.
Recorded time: 2:38
